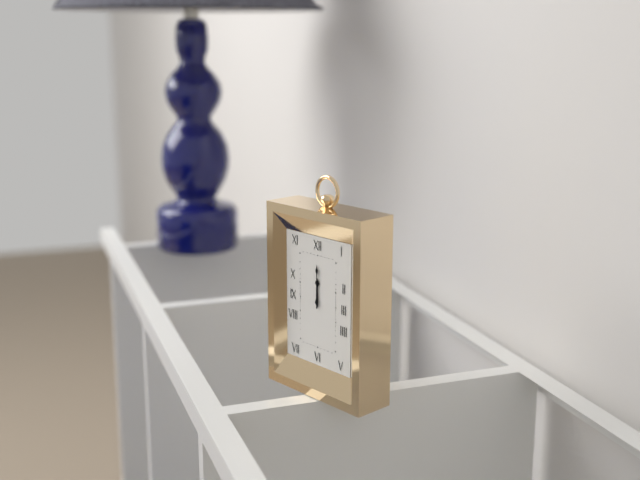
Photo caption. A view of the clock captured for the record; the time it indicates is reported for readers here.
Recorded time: 12:00
